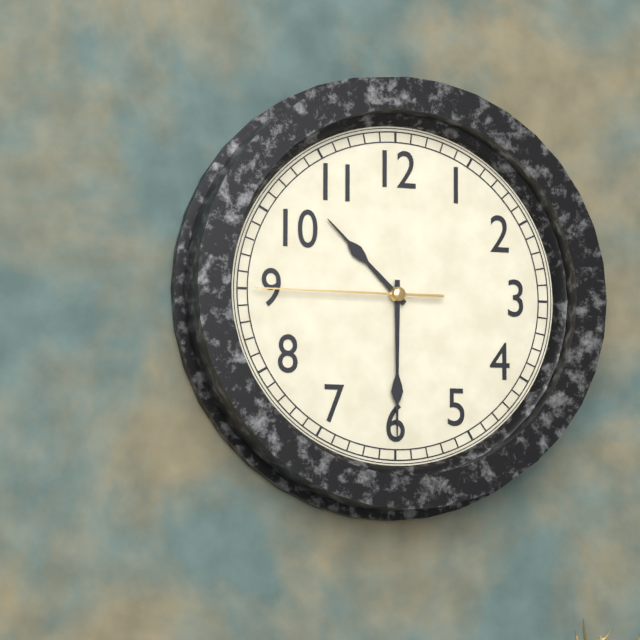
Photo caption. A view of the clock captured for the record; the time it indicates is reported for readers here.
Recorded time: 10:30:45
